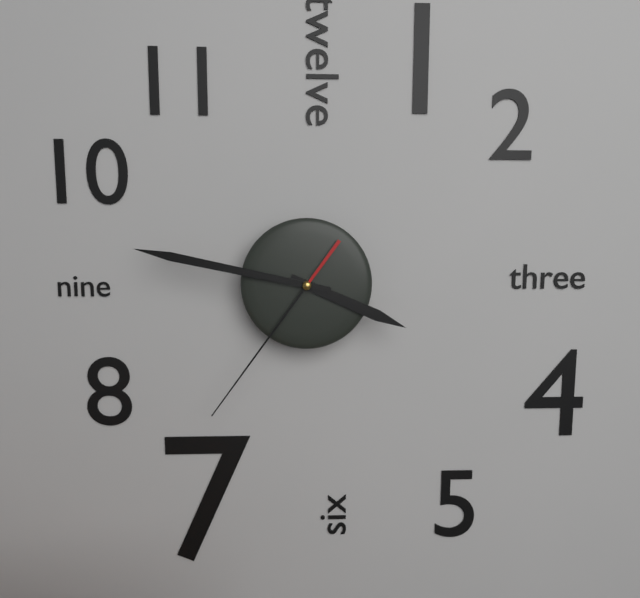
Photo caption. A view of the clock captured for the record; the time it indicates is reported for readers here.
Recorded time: 3:47:36
